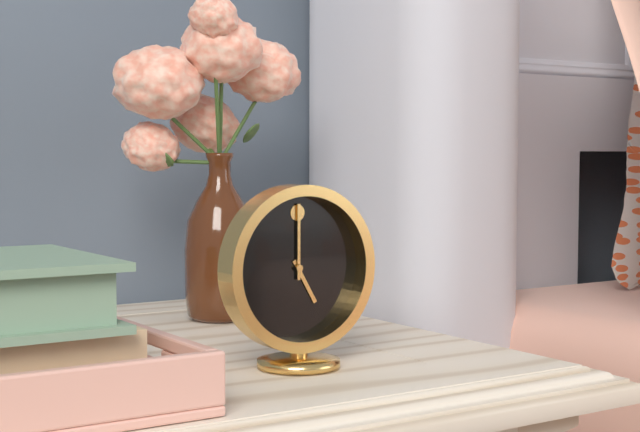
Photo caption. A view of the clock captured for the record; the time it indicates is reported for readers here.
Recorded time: 5:00
